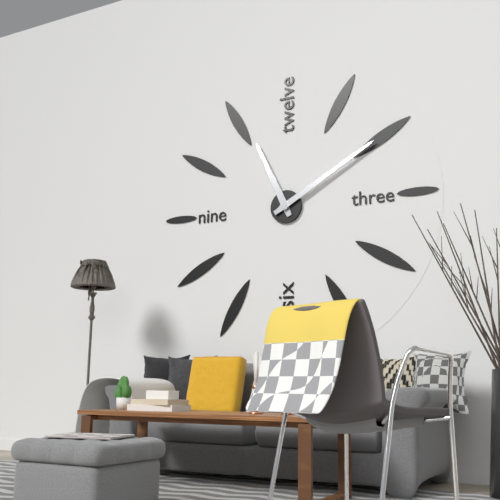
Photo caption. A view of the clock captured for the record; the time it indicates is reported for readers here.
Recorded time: 11:10
